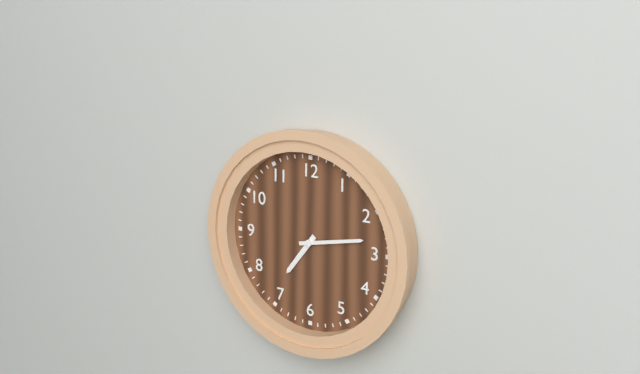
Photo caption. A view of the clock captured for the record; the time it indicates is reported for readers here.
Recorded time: 7:13
